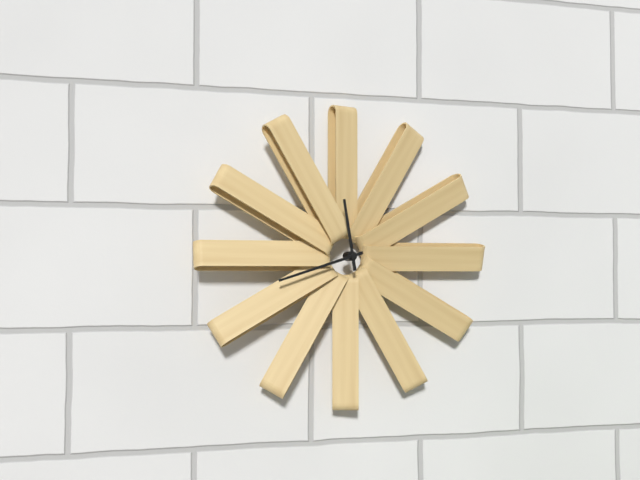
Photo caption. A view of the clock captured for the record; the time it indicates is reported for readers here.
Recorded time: 11:42
